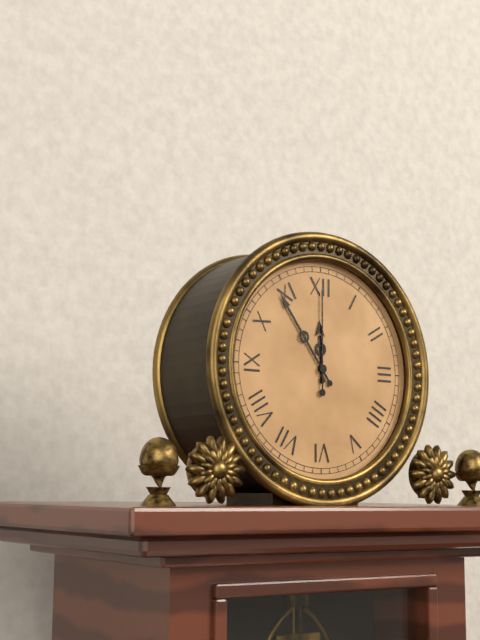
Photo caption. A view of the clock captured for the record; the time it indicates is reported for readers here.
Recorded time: 11:54:00
